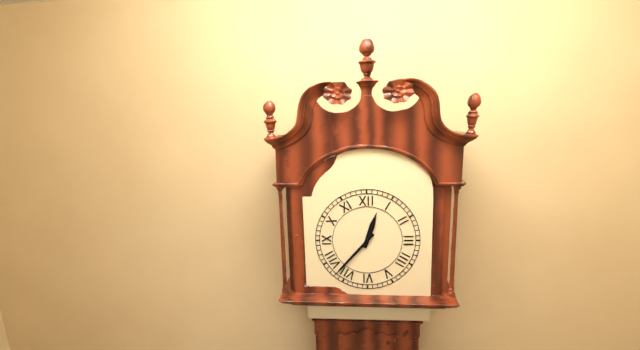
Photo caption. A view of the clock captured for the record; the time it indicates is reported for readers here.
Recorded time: 12:37
